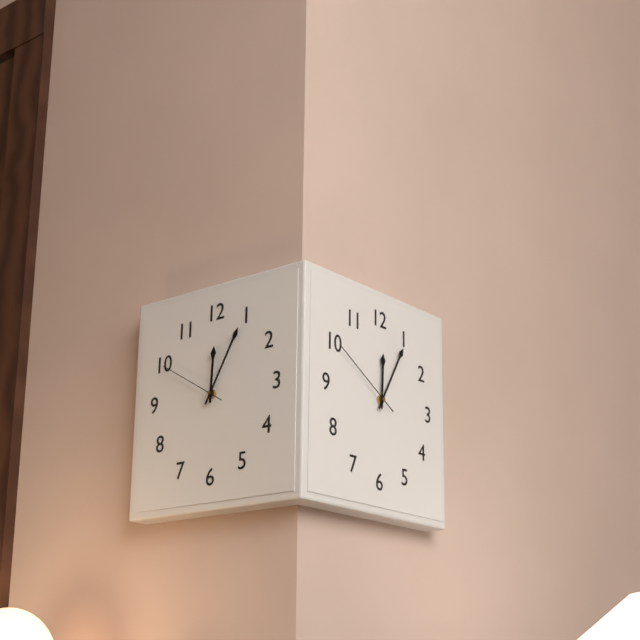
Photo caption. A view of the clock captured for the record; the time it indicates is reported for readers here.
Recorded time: 12:05:50
